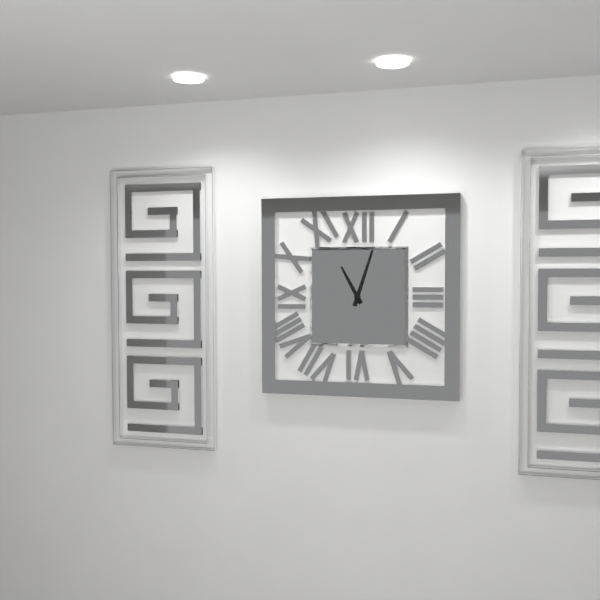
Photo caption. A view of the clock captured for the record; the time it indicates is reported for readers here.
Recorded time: 11:03
